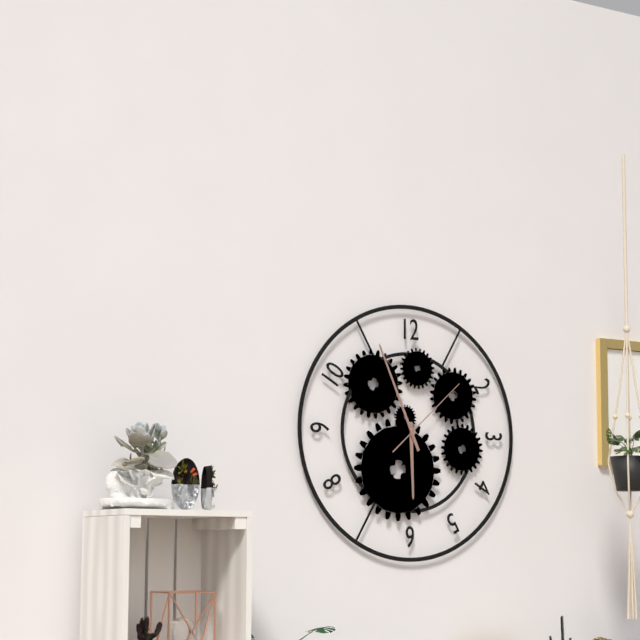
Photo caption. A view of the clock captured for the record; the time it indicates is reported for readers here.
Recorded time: 5:56:08
